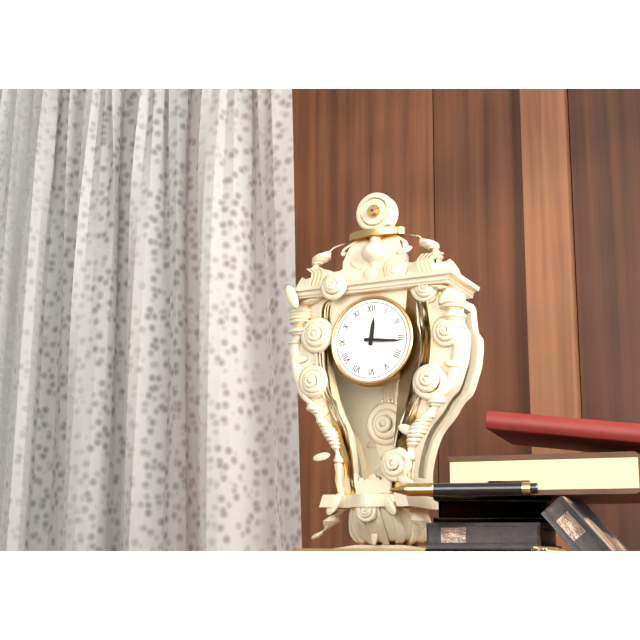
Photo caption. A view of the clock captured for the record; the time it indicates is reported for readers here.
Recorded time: 12:16
